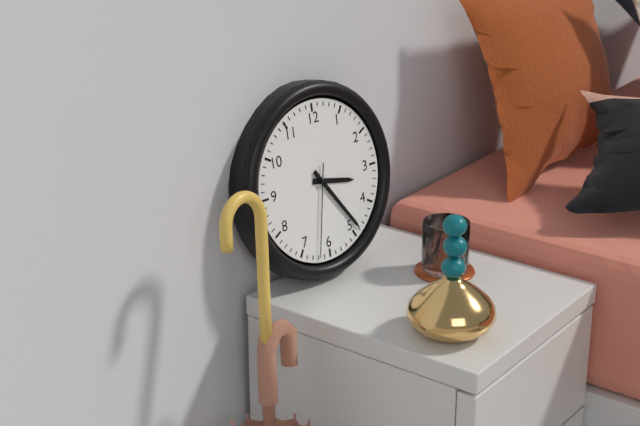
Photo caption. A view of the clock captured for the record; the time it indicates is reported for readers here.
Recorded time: 3:24:32
